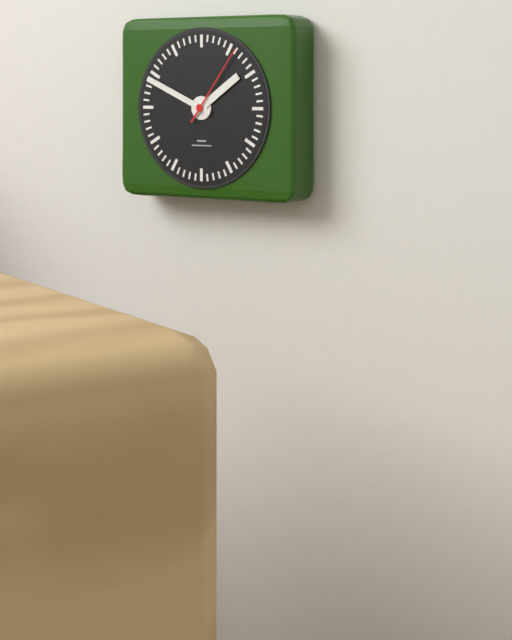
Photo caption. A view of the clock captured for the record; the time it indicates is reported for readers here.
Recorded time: 1:49:06
